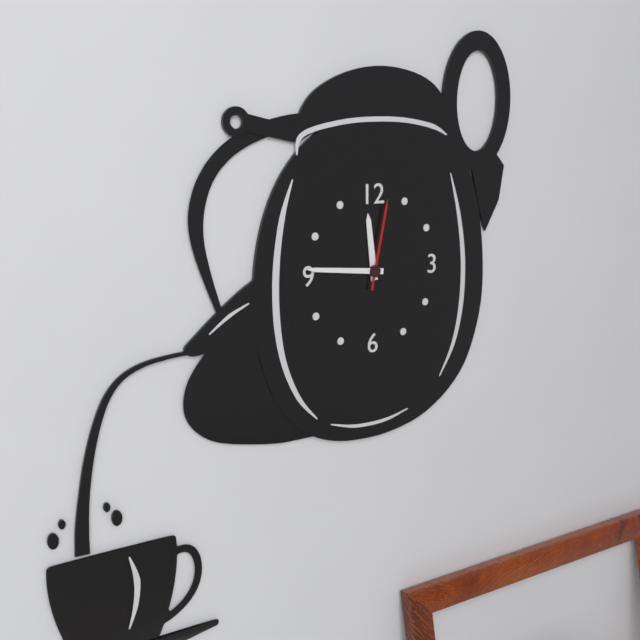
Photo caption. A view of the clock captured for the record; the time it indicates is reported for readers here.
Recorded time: 11:46:02
